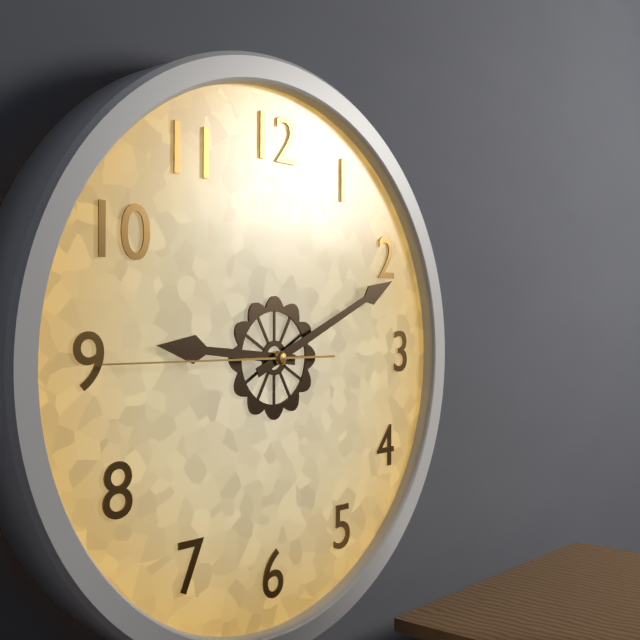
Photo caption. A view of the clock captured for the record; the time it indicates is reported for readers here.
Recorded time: 9:11:45
